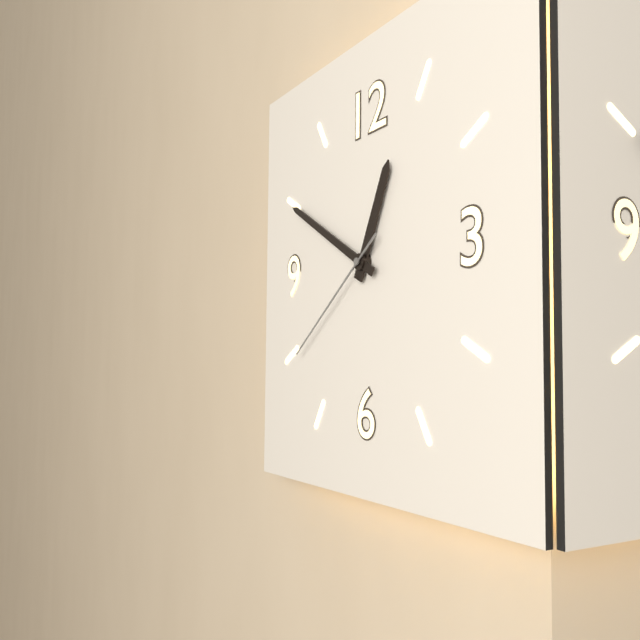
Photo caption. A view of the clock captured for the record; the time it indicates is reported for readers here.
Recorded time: 12:50:39
